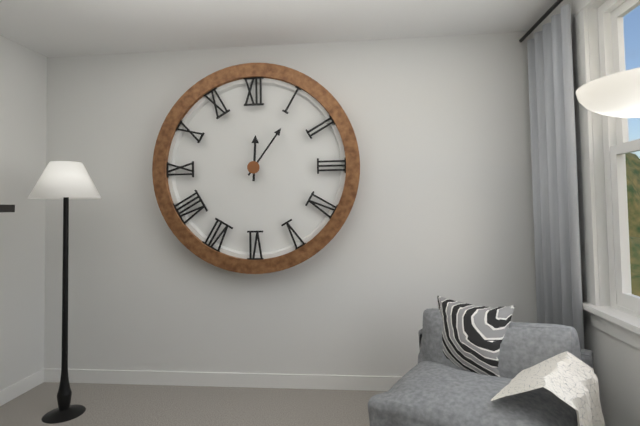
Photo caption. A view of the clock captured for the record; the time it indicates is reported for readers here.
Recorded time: 12:06
